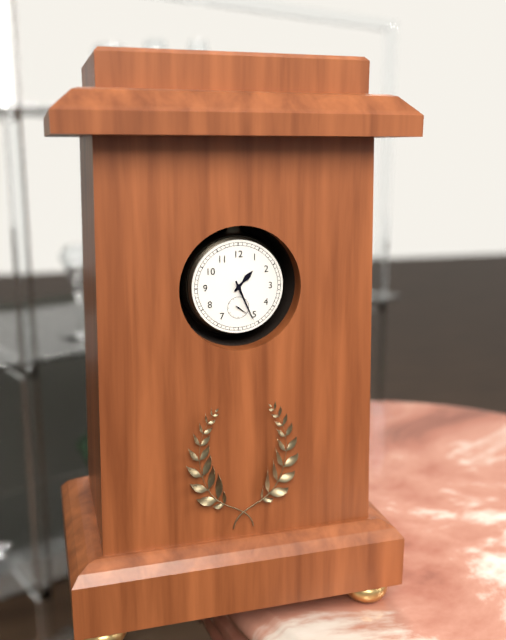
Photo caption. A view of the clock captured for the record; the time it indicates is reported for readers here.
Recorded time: 1:26
